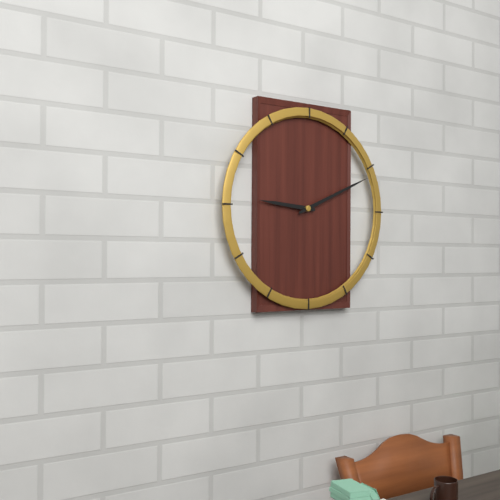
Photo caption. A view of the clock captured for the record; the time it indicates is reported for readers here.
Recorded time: 9:11
